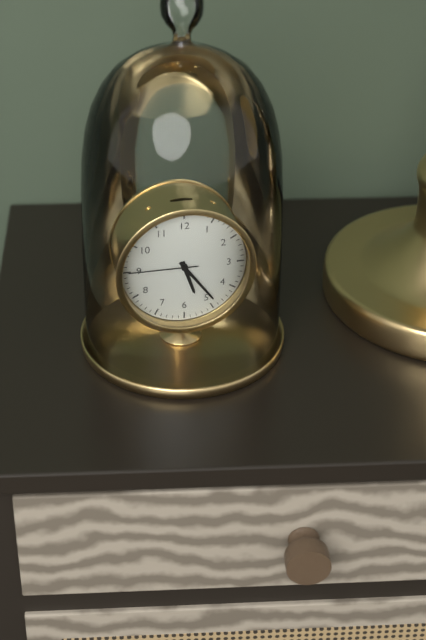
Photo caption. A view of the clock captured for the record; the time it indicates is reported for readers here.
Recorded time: 5:24:45
